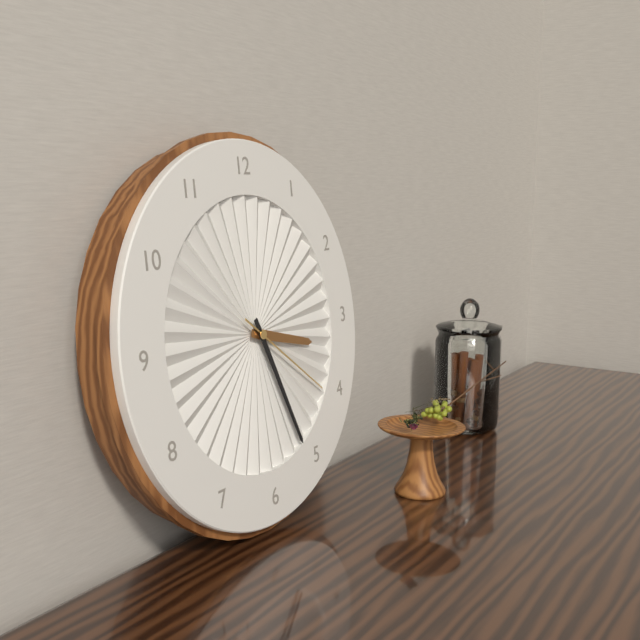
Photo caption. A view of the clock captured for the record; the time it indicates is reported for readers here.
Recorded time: 3:26:21
